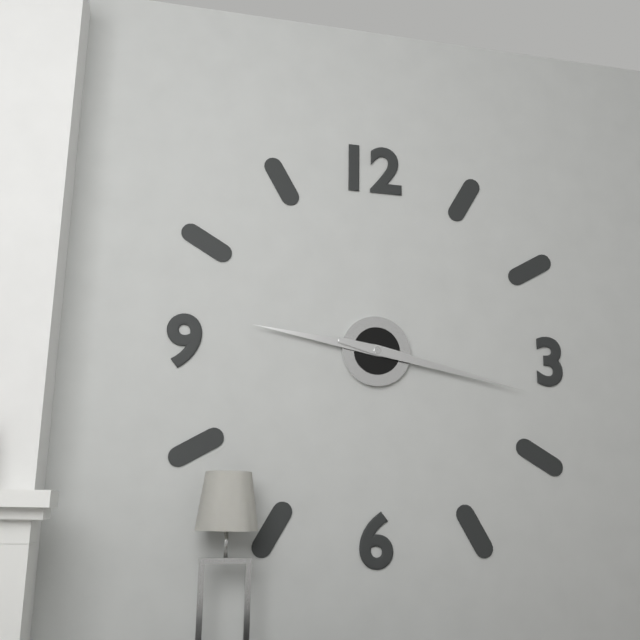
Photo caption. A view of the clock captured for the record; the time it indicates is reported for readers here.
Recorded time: 9:17
